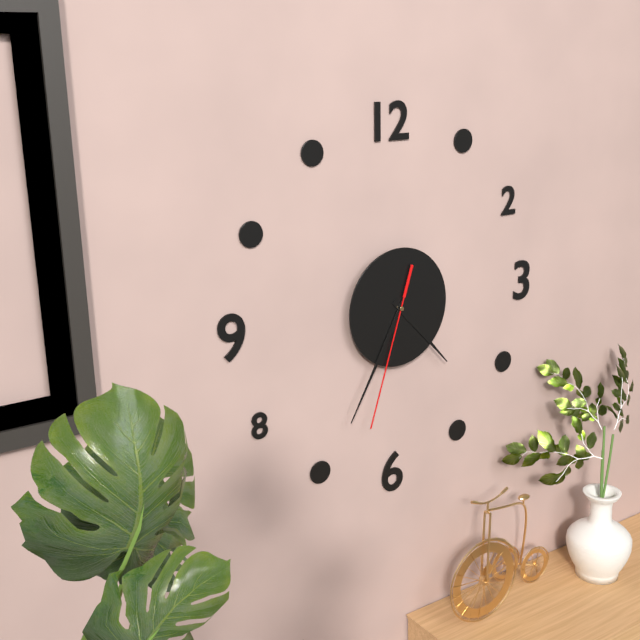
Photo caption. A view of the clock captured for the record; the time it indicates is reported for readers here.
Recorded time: 4:35:33
